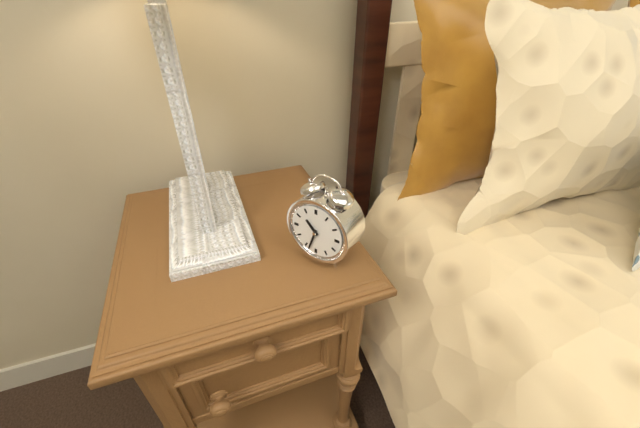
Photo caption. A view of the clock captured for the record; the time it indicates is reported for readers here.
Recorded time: 10:33
